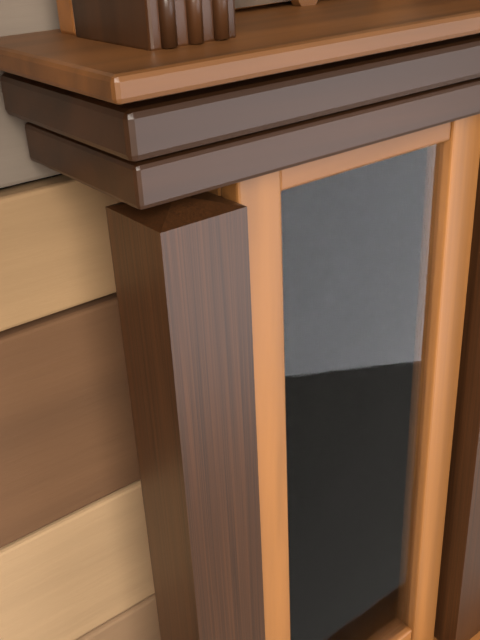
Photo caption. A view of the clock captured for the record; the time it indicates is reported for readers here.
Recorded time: 6:04
